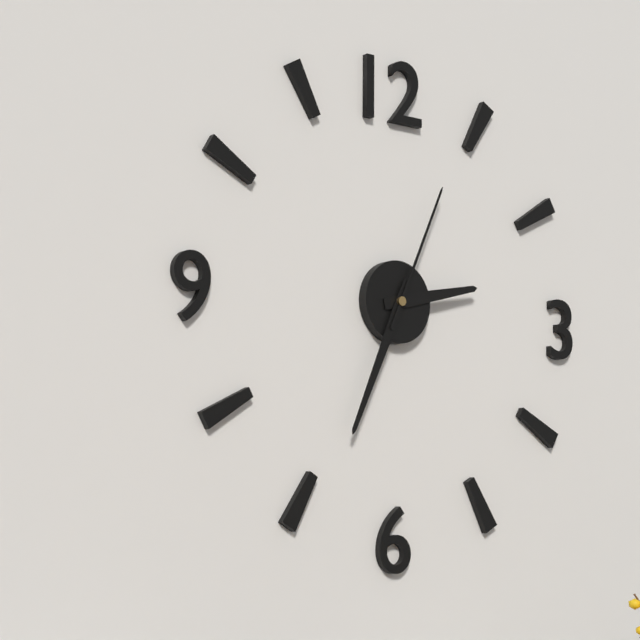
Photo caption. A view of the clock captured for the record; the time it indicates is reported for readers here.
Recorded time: 2:34:04
